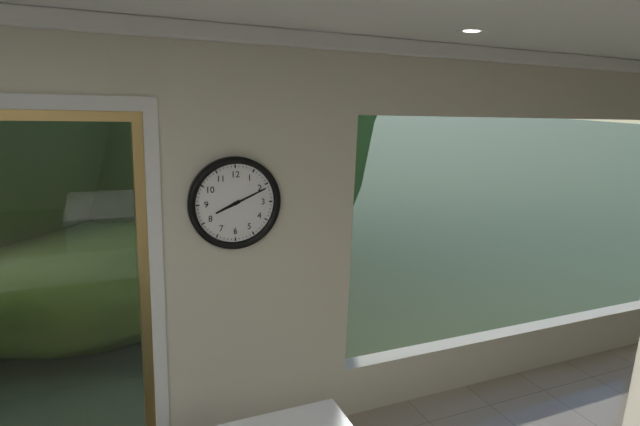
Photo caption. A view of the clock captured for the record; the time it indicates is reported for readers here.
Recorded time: 8:11
